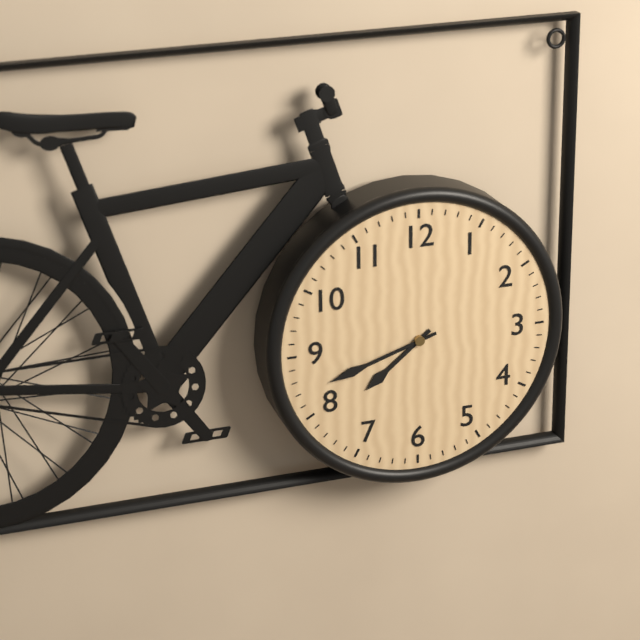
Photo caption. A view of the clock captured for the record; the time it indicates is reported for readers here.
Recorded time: 7:42
